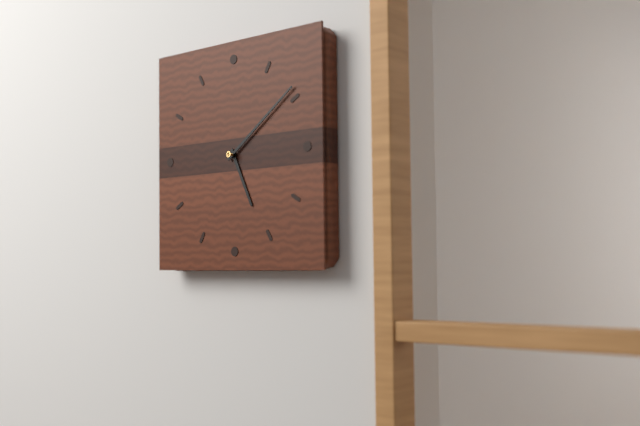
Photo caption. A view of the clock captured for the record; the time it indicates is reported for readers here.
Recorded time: 5:09
